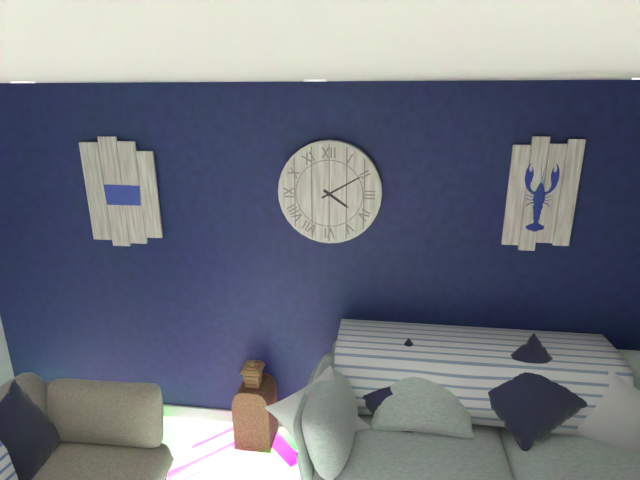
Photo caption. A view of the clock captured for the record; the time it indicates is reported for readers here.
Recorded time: 4:10
